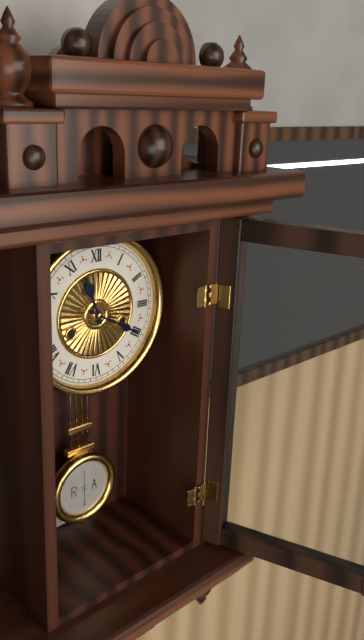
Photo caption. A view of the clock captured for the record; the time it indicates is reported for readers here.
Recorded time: 11:20
